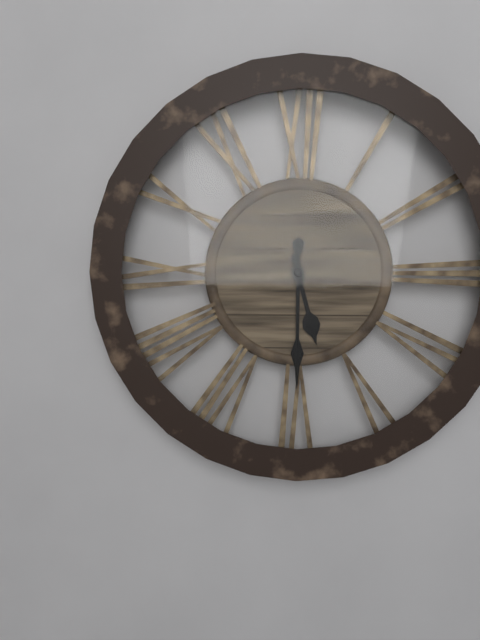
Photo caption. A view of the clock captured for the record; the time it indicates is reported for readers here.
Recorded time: 5:30
